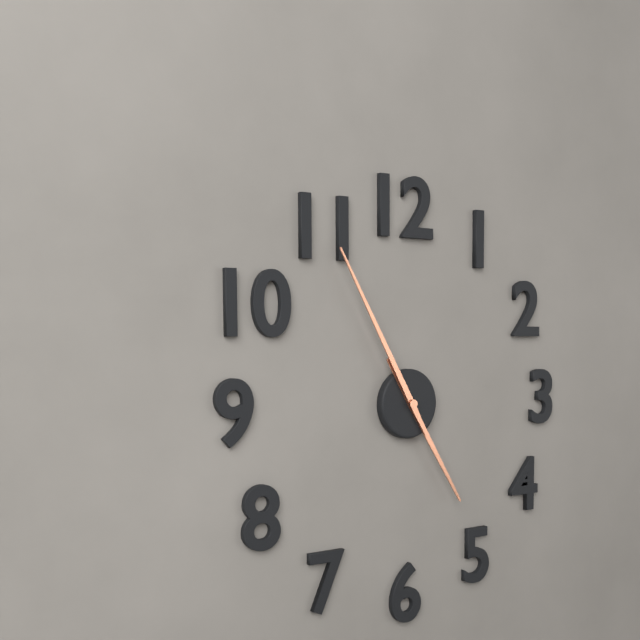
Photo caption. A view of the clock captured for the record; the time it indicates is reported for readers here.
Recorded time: 4:55
